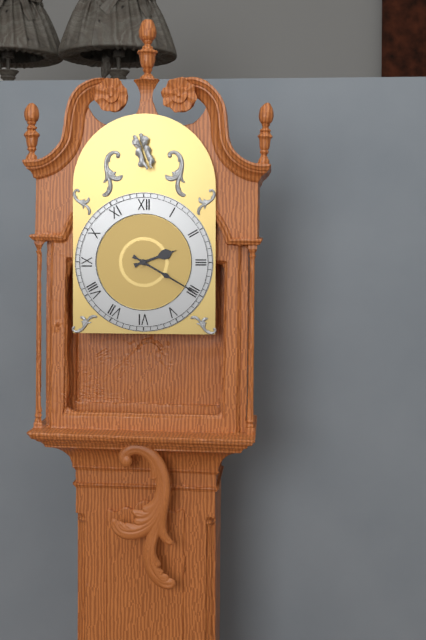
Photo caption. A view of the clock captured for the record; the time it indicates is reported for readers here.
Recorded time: 2:20
